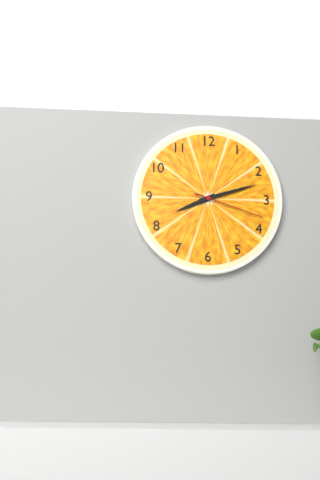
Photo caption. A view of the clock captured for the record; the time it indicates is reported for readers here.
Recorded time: 8:12:18
